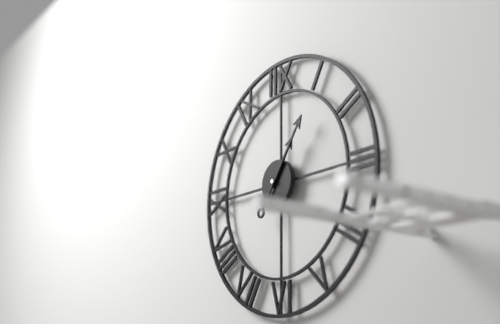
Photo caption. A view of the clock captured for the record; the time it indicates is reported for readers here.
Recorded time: 1:06
